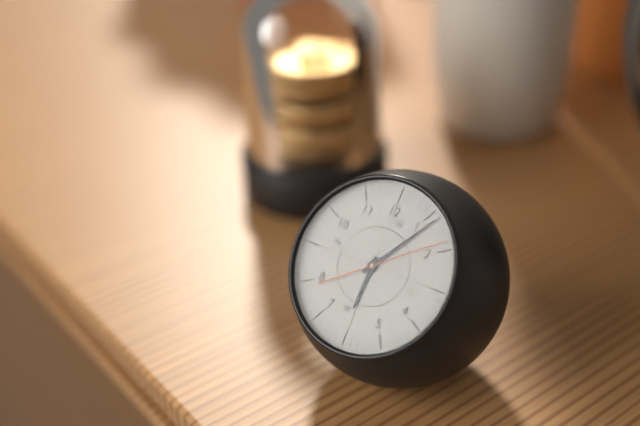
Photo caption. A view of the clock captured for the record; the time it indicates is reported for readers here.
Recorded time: 6:06:09
